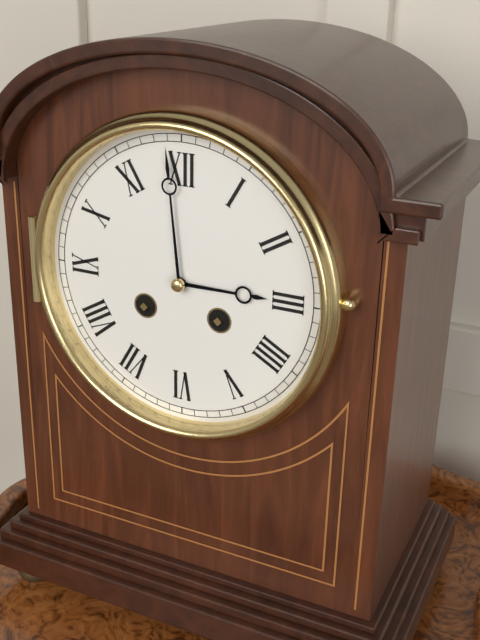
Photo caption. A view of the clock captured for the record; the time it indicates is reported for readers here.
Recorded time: 2:59
